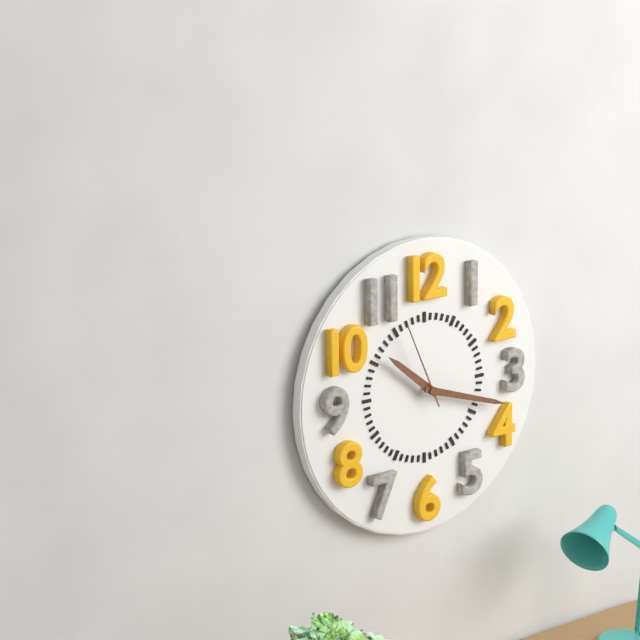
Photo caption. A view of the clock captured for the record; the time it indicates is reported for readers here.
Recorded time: 10:18:56
